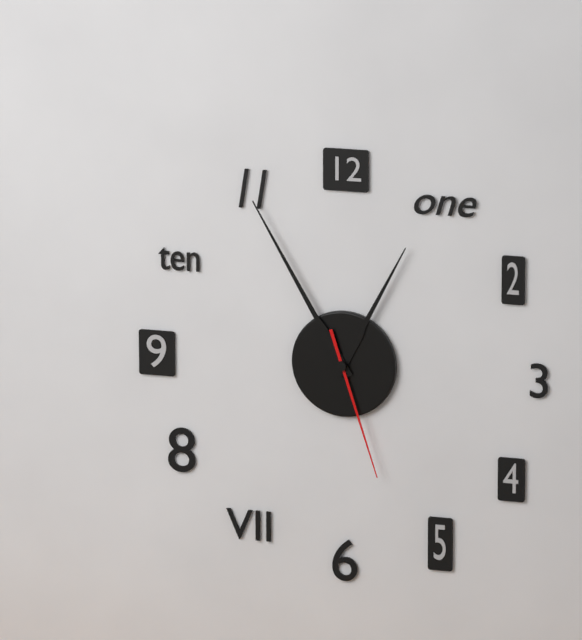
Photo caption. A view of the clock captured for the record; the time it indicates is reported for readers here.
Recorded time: 12:55:27
